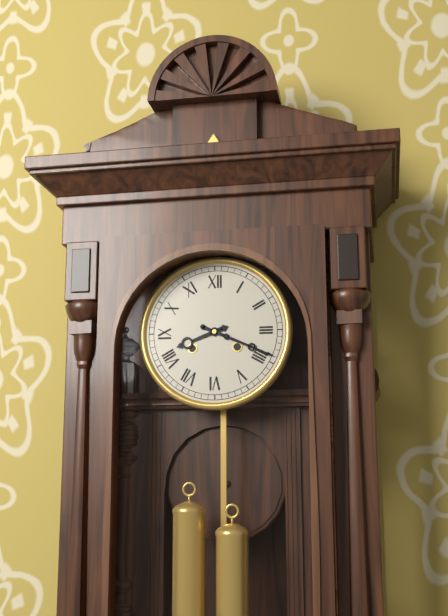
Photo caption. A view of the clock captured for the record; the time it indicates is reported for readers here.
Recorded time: 8:19
